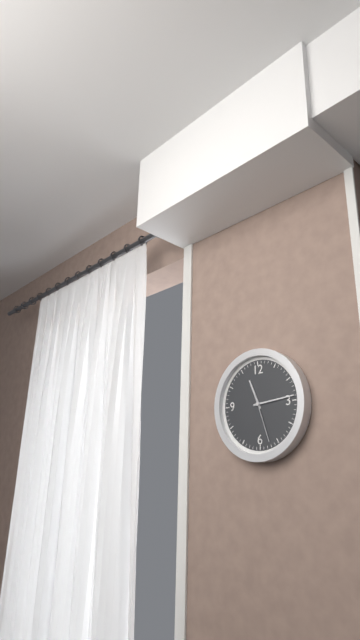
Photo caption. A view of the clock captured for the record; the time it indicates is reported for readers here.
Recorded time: 11:14
